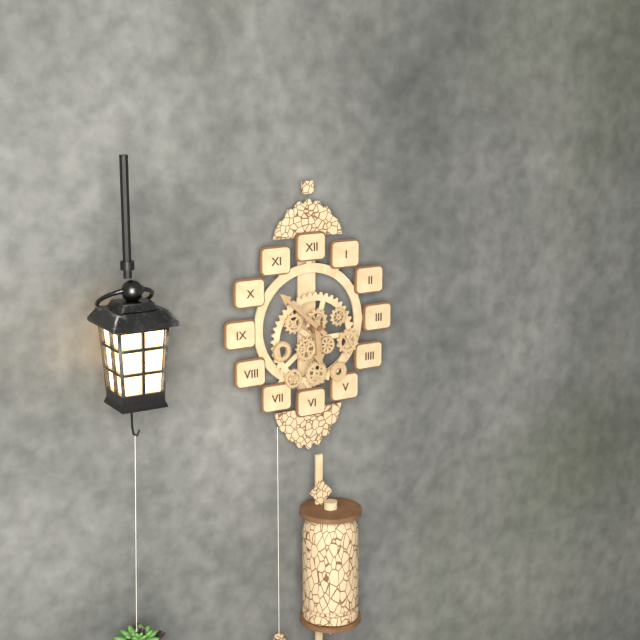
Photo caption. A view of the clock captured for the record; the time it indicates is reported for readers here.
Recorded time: 5:52
